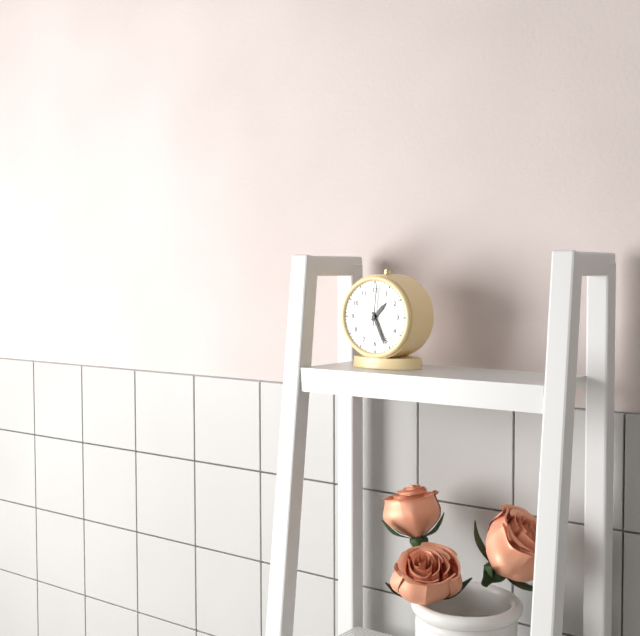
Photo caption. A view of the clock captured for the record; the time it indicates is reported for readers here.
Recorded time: 1:26
